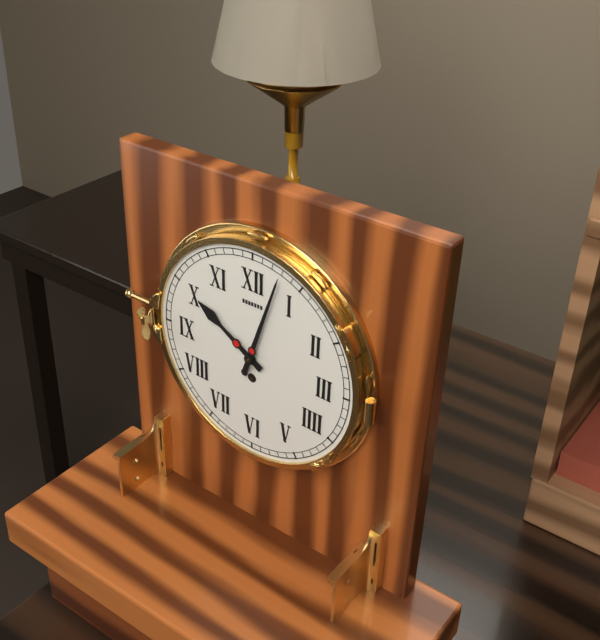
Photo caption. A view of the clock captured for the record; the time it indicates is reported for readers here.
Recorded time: 10:03
